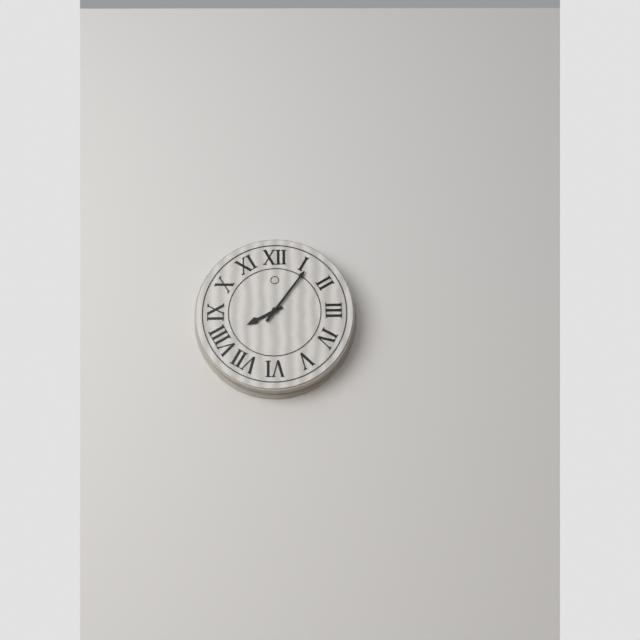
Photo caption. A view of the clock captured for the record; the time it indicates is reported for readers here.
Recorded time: 8:06
